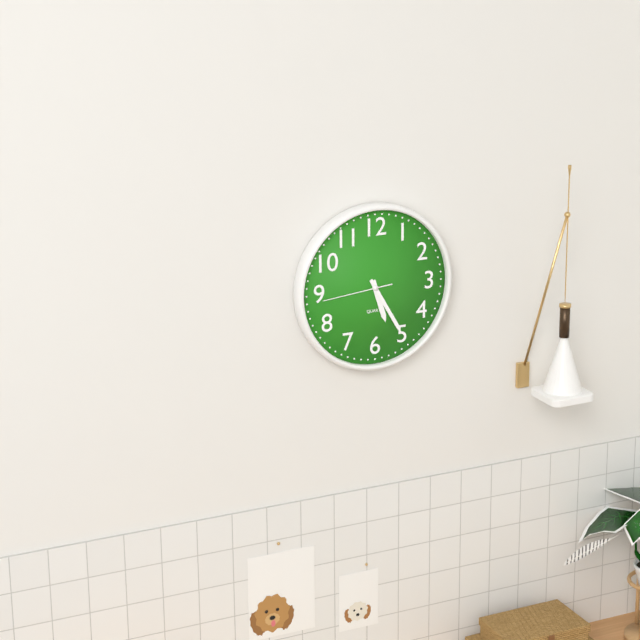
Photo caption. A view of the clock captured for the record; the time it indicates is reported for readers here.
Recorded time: 5:25:44
